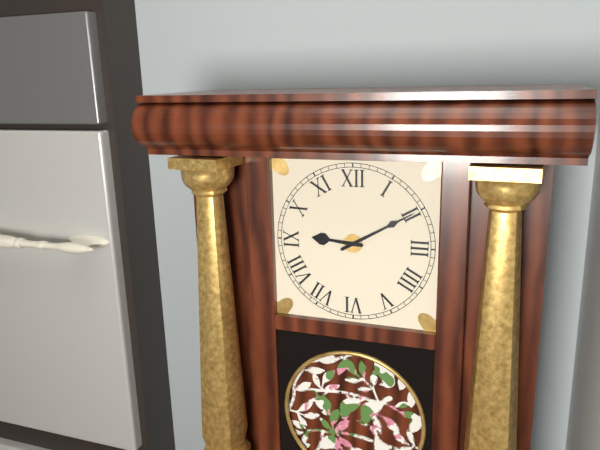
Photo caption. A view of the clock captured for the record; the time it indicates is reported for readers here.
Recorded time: 9:10
